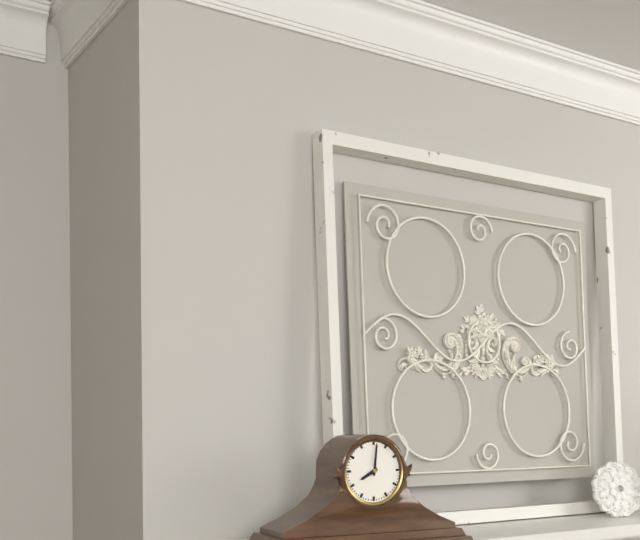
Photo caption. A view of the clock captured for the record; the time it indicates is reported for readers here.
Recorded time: 8:01
